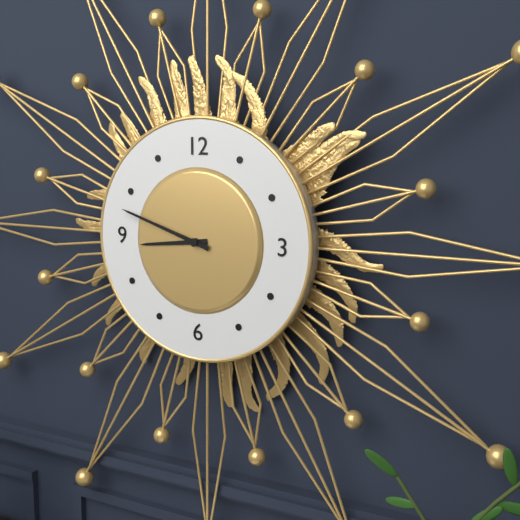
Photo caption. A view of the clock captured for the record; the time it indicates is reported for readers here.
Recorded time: 8:48
